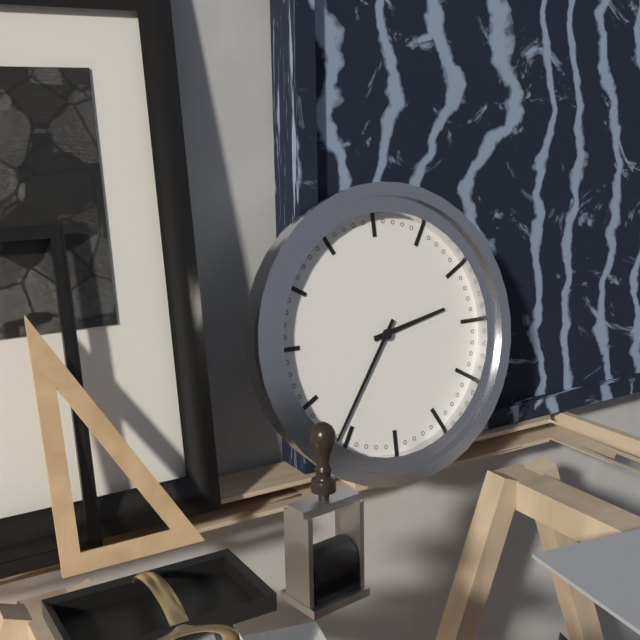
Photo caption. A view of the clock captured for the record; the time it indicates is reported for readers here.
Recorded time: 2:36
